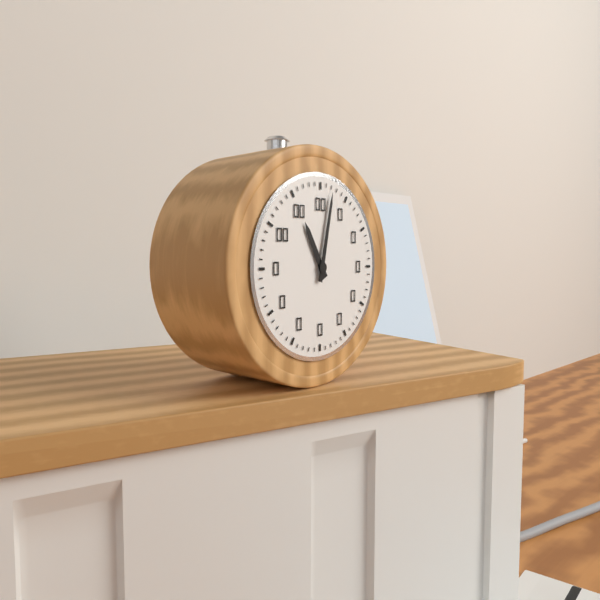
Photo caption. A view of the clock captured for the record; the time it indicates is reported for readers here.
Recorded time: 11:02
